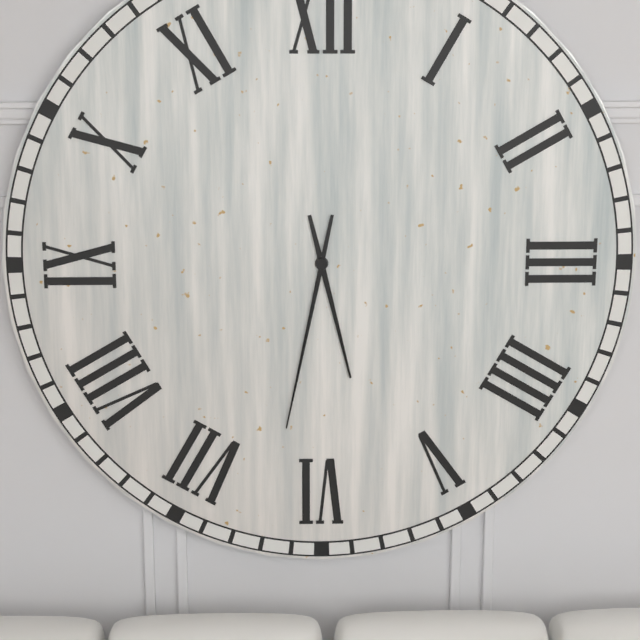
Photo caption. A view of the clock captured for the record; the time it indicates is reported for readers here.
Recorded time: 5:32
